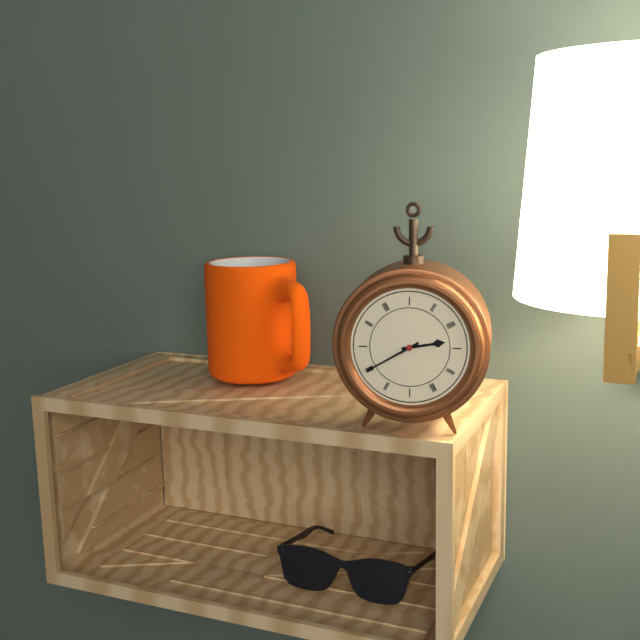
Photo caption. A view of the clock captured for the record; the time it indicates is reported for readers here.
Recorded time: 2:40
